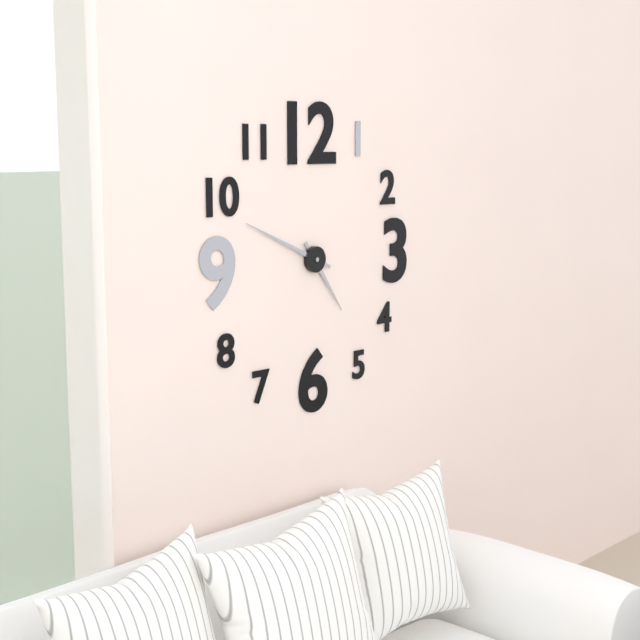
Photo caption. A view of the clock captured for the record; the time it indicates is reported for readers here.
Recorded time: 4:49
